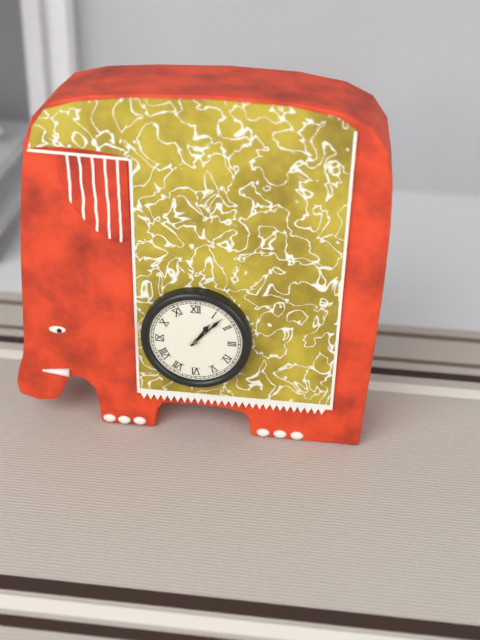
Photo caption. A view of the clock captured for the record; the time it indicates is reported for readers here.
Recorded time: 1:07
